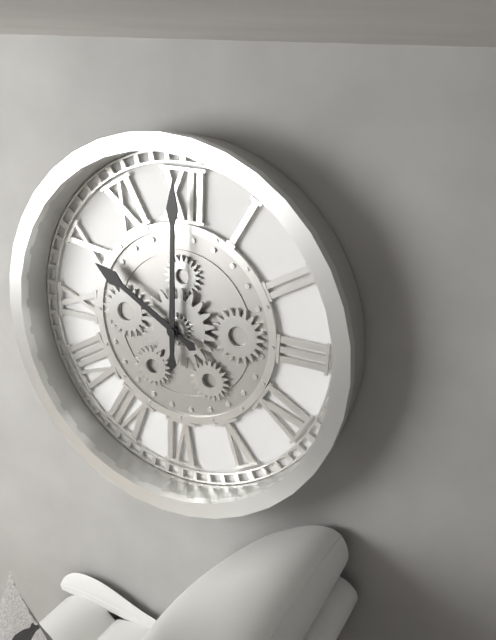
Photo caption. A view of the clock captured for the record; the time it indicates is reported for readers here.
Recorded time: 10:00
